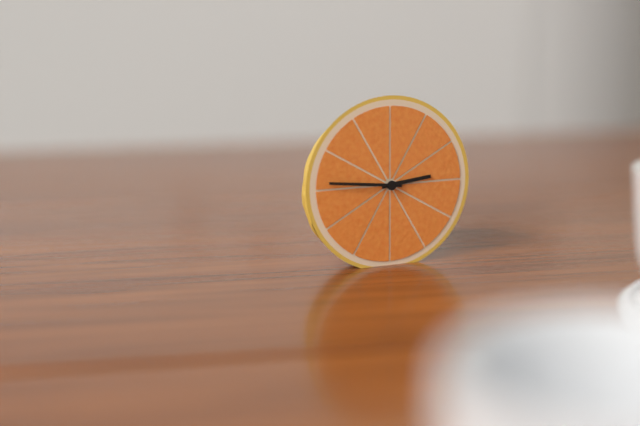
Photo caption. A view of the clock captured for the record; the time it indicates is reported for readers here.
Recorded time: 2:46
